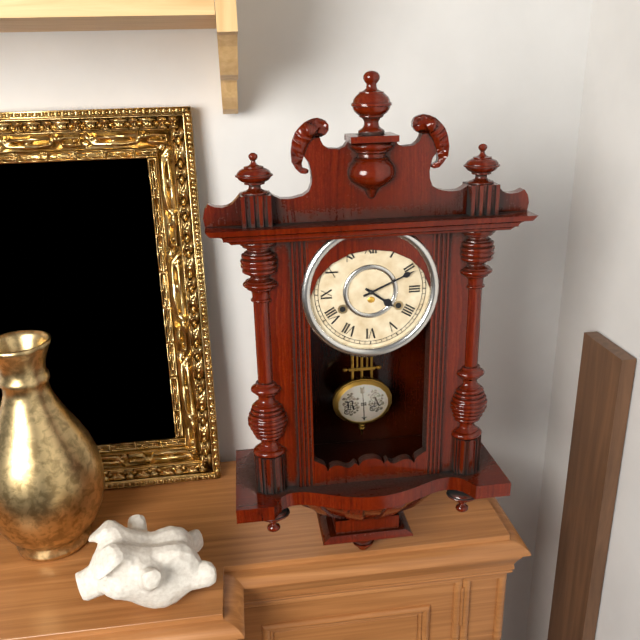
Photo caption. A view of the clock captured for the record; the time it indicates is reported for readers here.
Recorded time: 4:11
